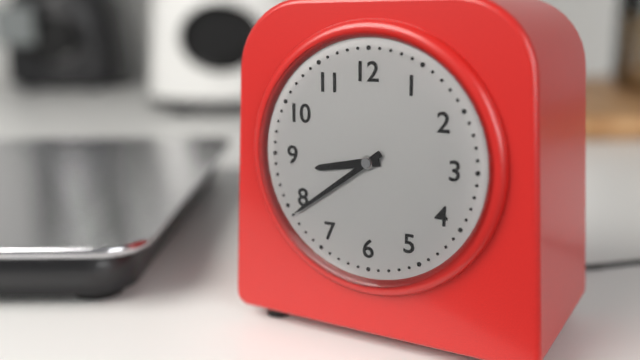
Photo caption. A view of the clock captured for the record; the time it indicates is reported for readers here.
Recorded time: 8:39
